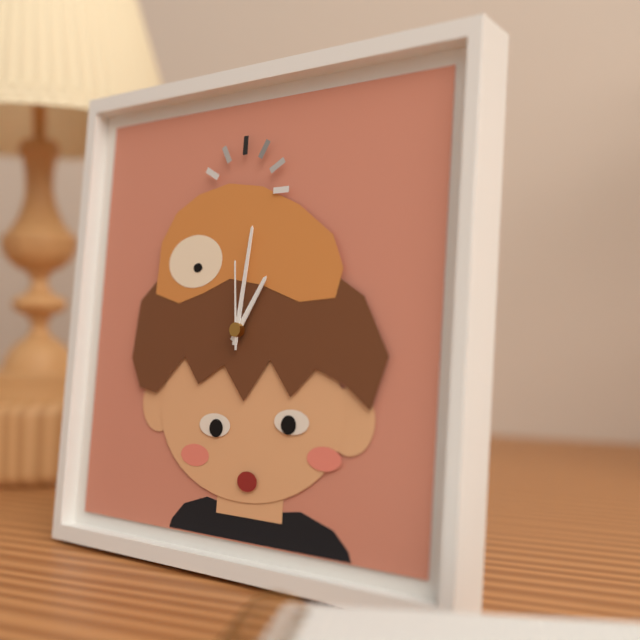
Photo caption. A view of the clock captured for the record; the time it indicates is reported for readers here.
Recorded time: 1:01:59
